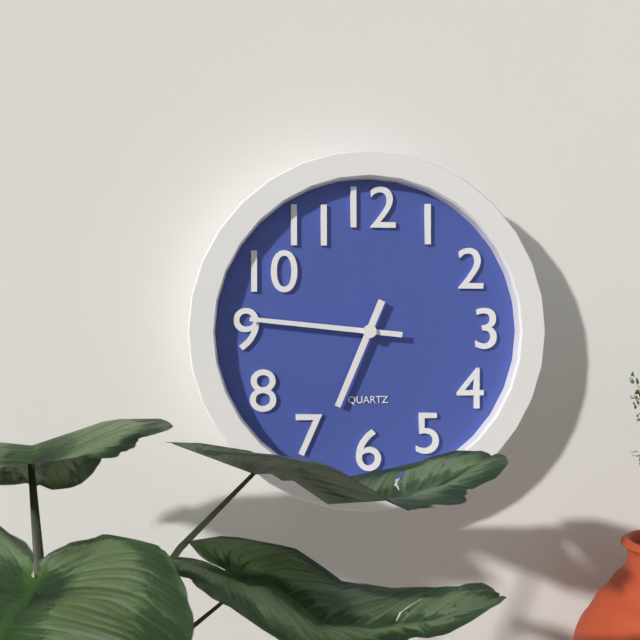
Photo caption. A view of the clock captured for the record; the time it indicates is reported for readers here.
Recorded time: 6:46
